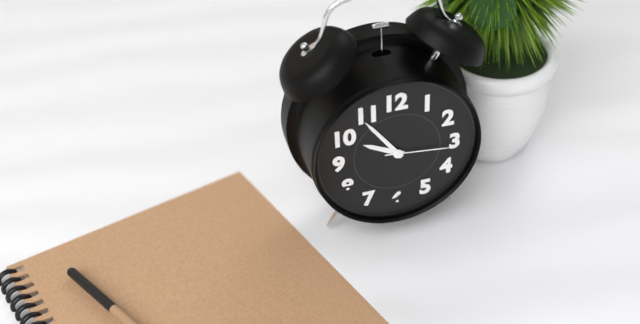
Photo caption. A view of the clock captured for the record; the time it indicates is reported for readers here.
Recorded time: 9:54:16
